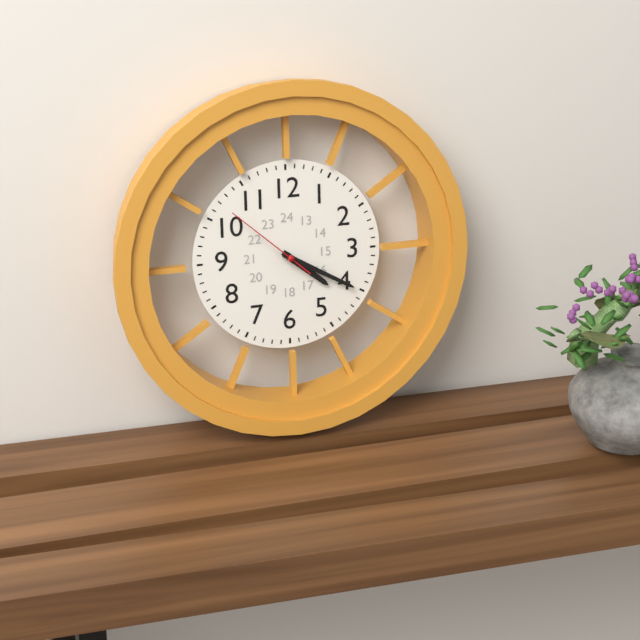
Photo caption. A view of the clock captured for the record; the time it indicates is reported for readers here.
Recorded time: 4:20:52
